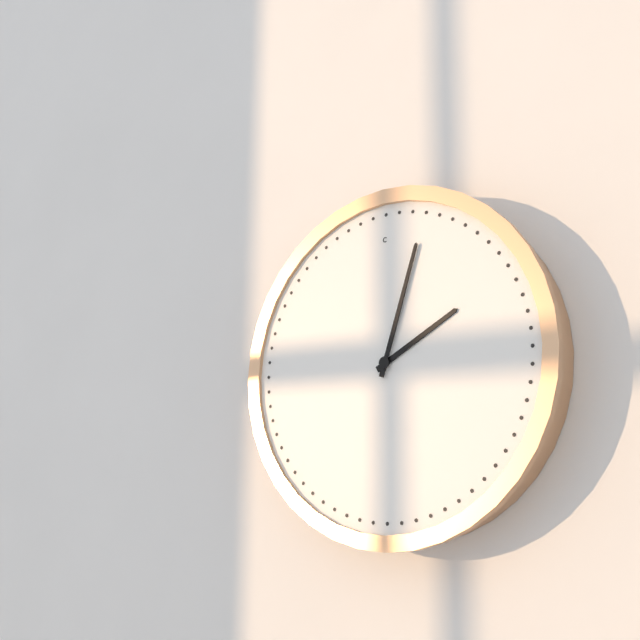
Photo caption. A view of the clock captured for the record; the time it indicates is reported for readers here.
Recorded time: 2:03
